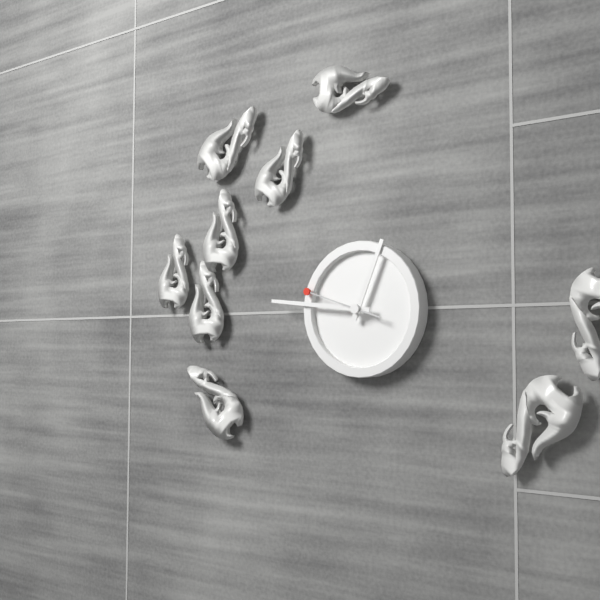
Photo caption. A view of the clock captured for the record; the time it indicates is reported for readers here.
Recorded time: 12:46:48
